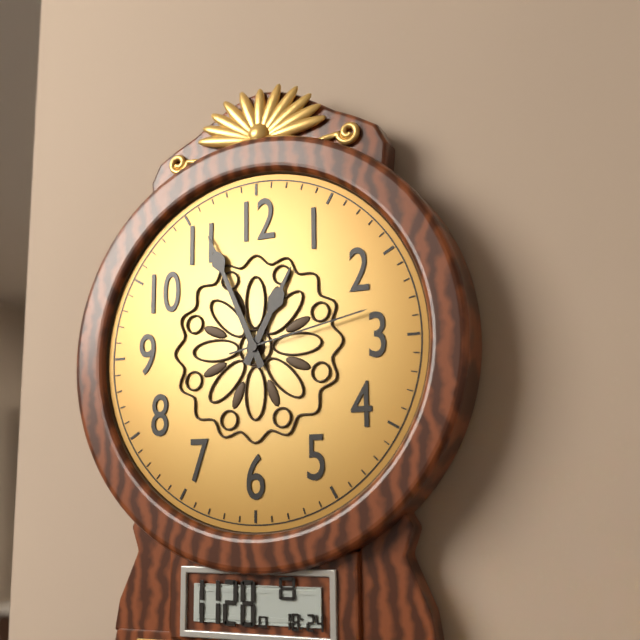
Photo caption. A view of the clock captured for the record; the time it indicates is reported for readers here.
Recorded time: 12:56:13
